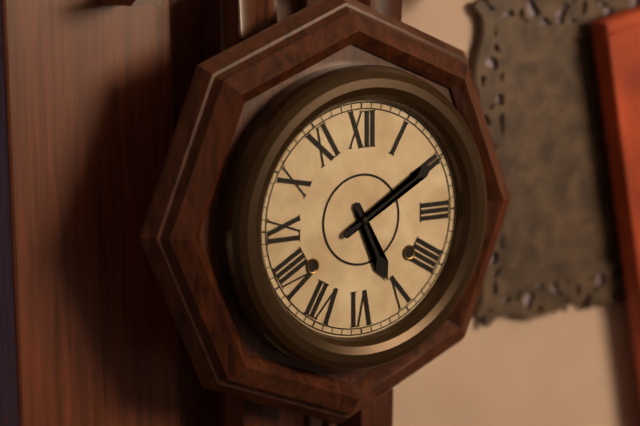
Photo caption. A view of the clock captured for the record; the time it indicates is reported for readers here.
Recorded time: 5:10
